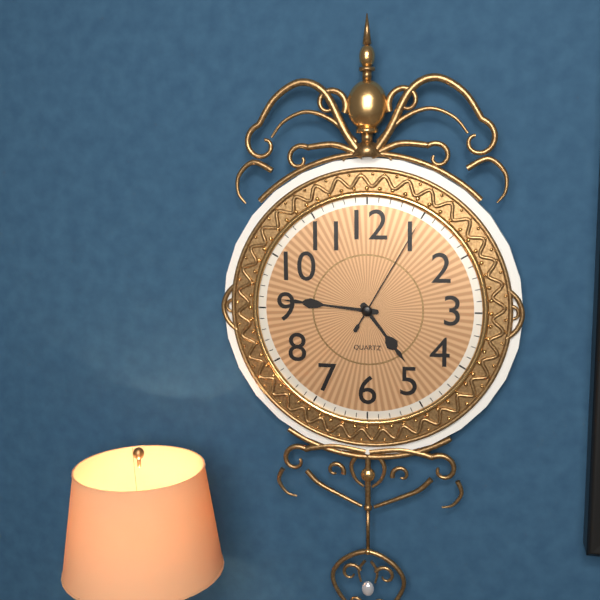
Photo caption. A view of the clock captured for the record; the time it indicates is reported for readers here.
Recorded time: 4:46:05
